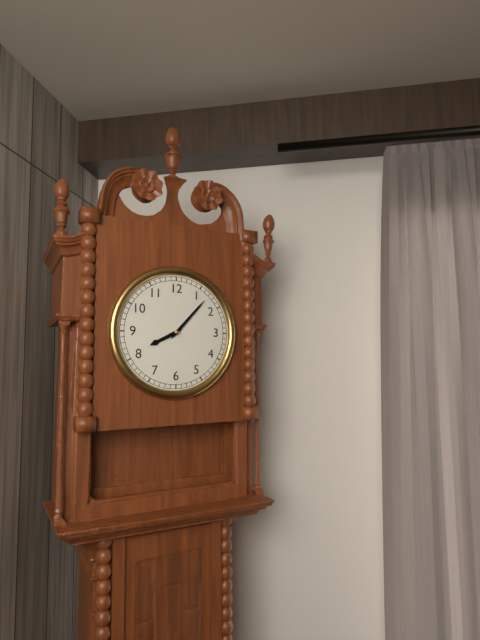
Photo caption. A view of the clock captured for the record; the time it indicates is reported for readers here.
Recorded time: 8:07
